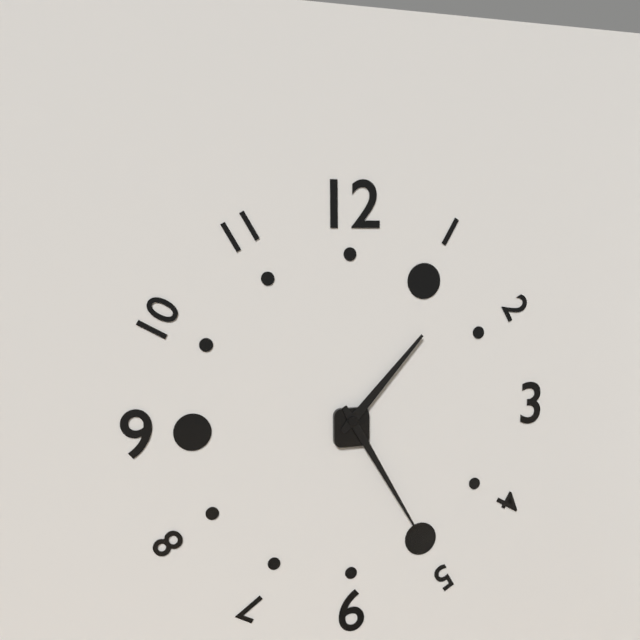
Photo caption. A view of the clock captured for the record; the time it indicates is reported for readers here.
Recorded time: 1:25
